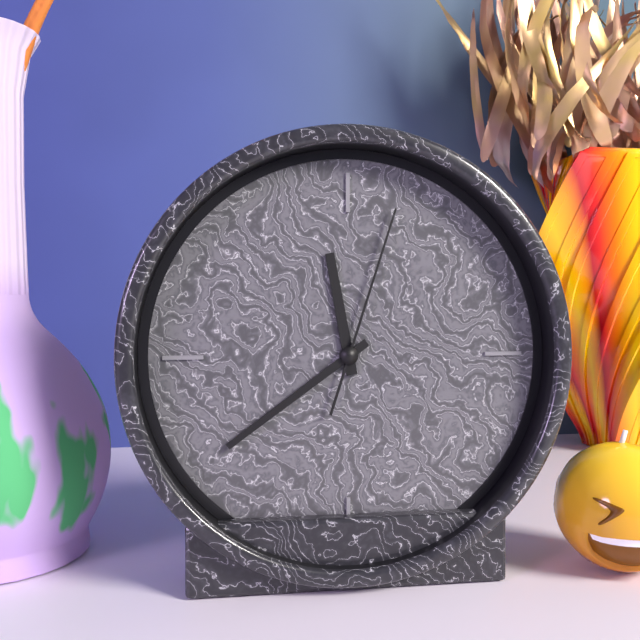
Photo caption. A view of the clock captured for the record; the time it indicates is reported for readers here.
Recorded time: 11:39:03
